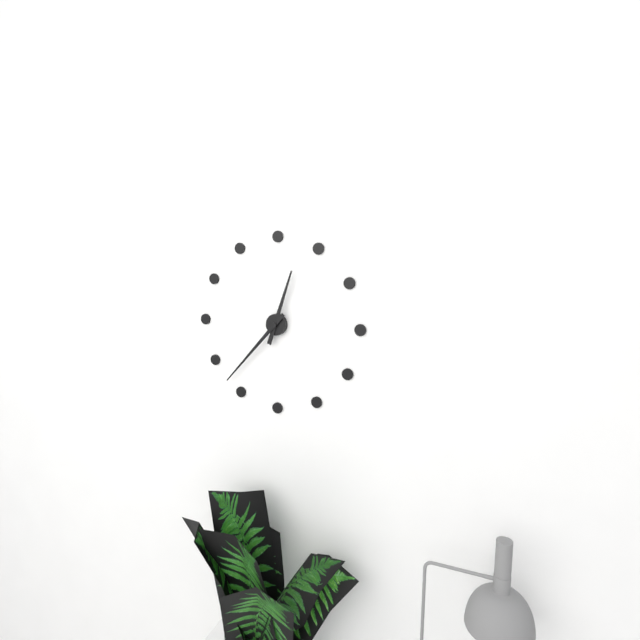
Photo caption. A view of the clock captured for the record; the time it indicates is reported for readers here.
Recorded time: 12:37
